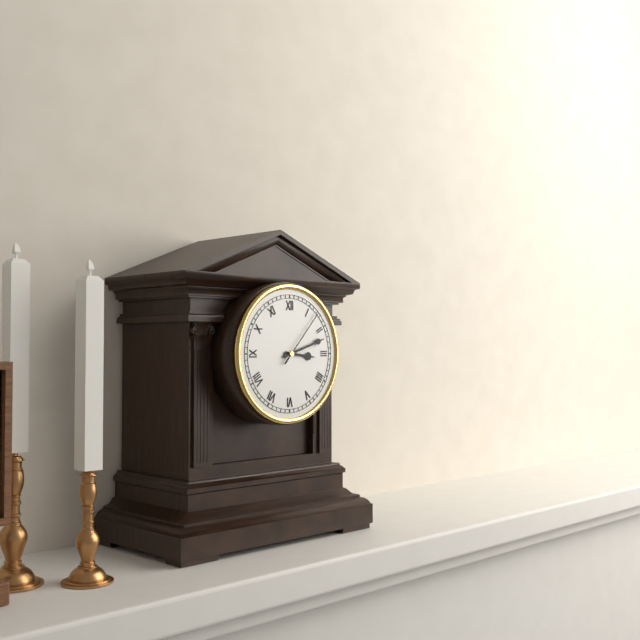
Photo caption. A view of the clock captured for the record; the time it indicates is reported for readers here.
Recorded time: 3:12:07
